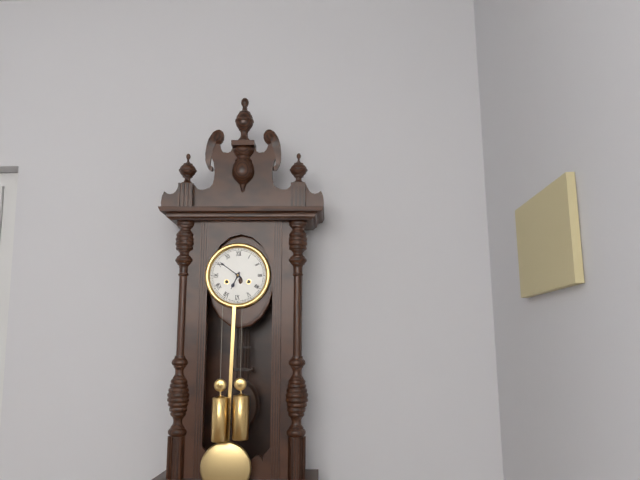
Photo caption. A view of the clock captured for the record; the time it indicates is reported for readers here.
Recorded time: 6:51
